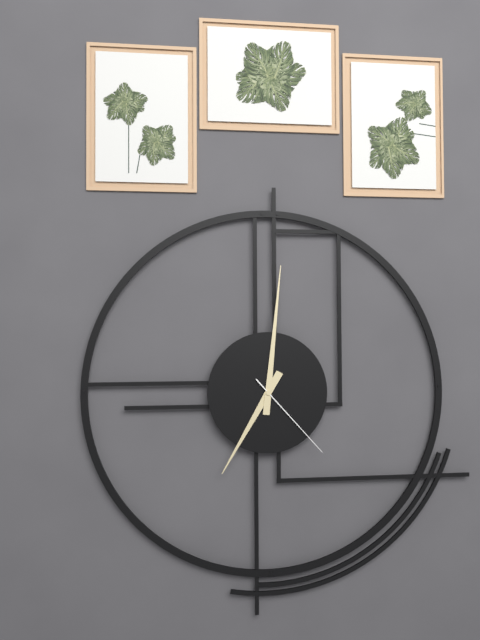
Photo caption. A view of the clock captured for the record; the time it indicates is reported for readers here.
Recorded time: 7:01:23
